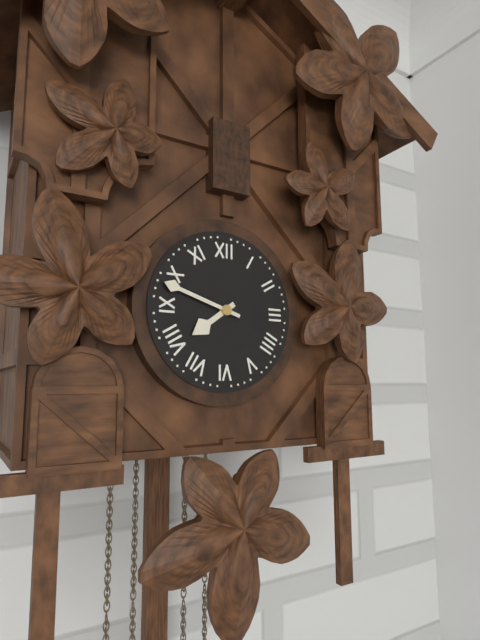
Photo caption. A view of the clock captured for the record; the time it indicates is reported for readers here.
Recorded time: 7:48
